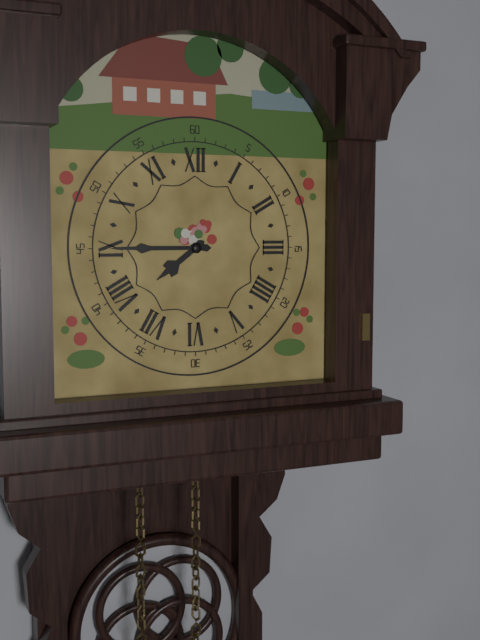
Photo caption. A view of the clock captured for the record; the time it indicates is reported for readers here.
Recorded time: 7:45
